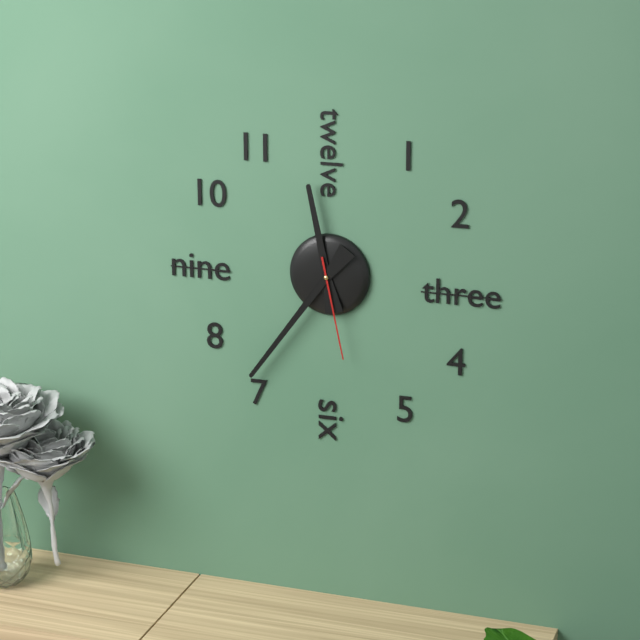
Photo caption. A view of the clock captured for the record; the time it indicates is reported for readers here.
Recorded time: 11:36:28
